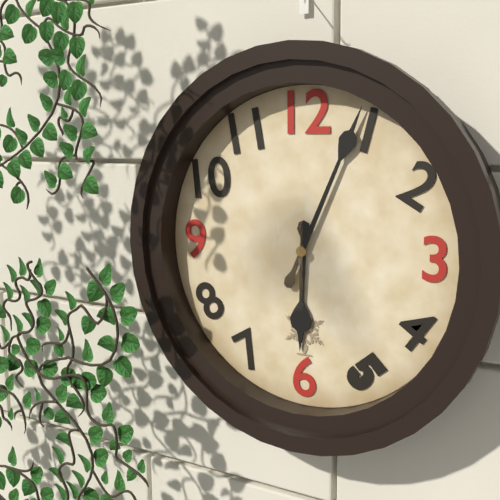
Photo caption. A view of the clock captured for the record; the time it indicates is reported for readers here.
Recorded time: 6:04
